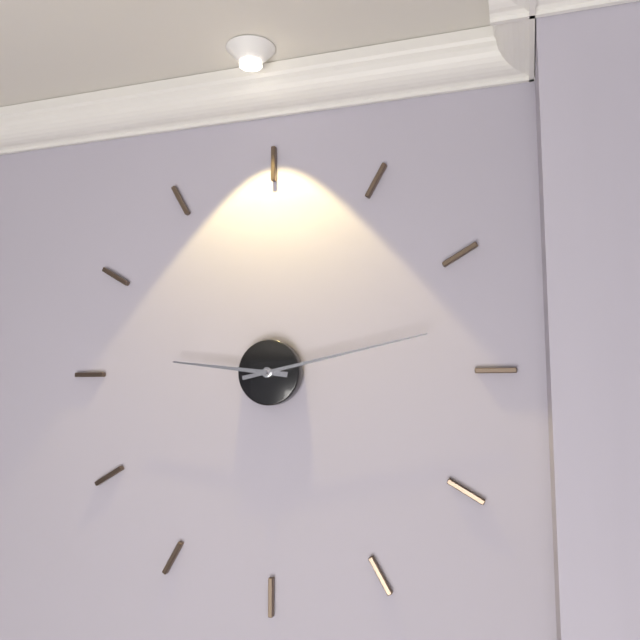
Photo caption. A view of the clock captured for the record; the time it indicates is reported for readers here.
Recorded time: 9:13
